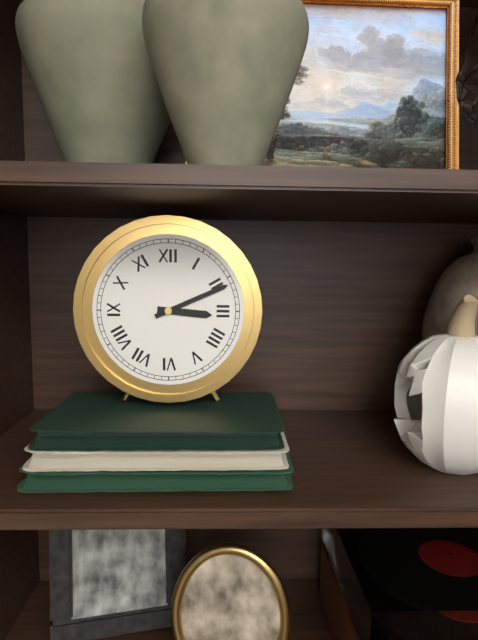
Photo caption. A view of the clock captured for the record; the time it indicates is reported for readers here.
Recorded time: 3:11
